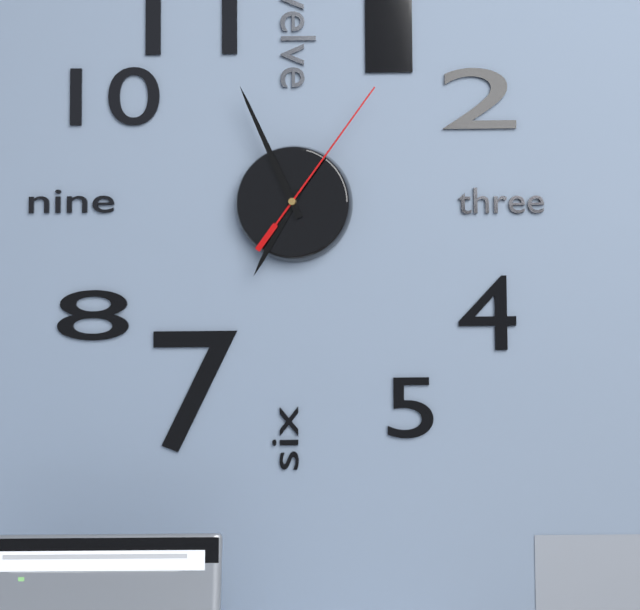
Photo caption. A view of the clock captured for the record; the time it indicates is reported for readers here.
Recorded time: 6:56:06
